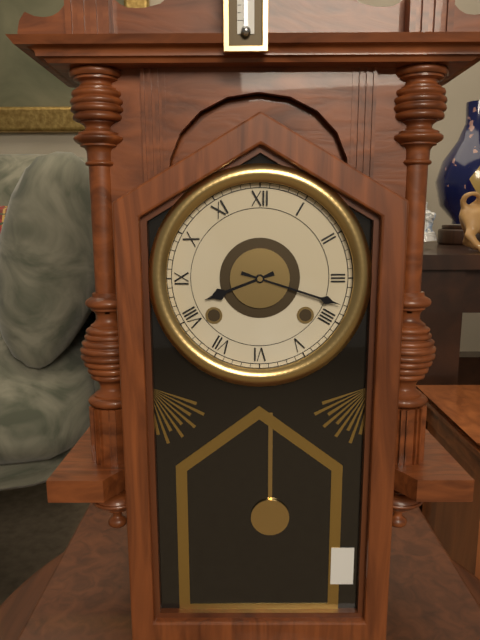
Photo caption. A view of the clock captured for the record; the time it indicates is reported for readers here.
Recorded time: 8:18
